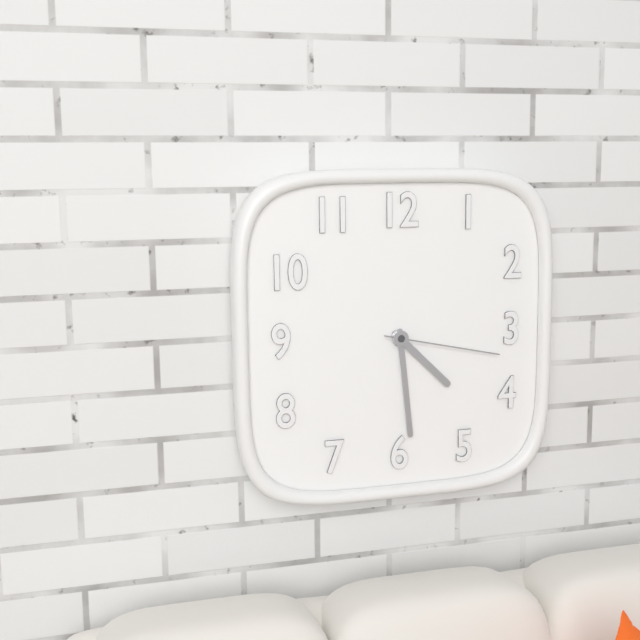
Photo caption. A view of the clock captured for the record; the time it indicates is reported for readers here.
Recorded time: 4:29:17
